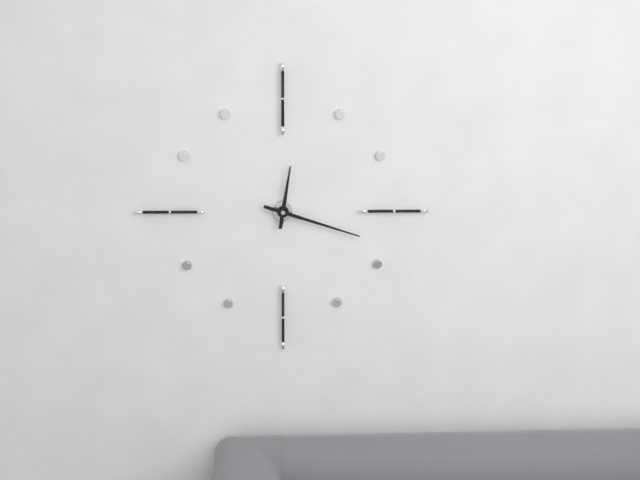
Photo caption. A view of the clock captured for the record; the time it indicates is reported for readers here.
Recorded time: 12:18
